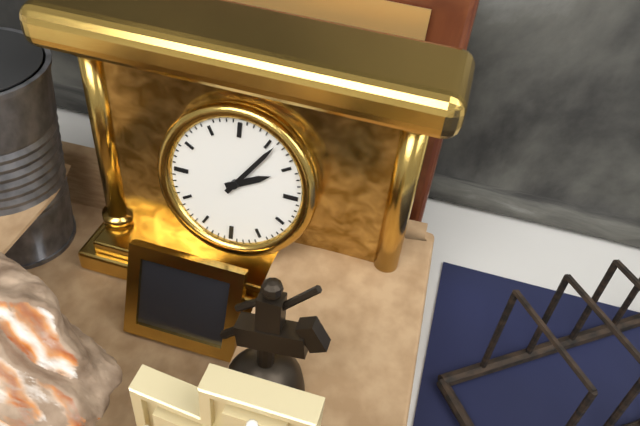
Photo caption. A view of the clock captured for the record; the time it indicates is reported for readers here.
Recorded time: 2:06
